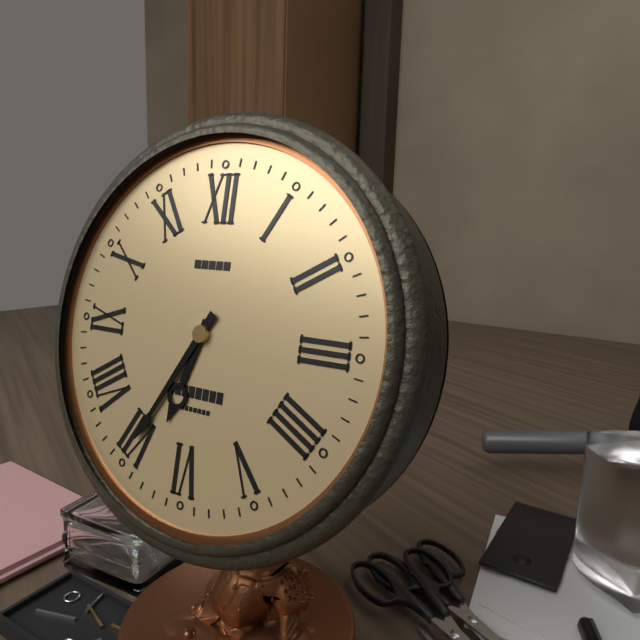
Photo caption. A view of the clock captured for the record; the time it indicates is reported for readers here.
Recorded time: 6:35
